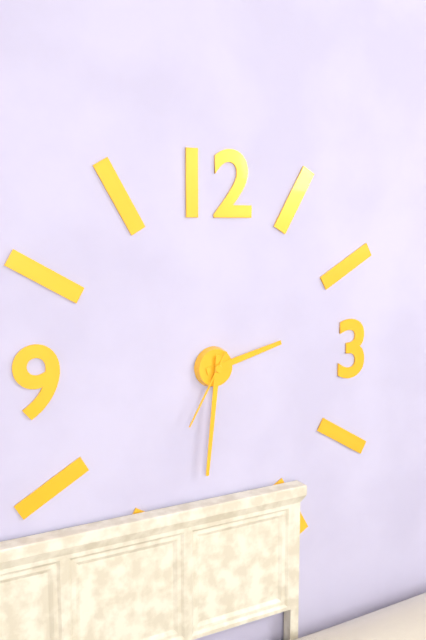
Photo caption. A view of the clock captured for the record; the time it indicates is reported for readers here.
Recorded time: 2:31:35
